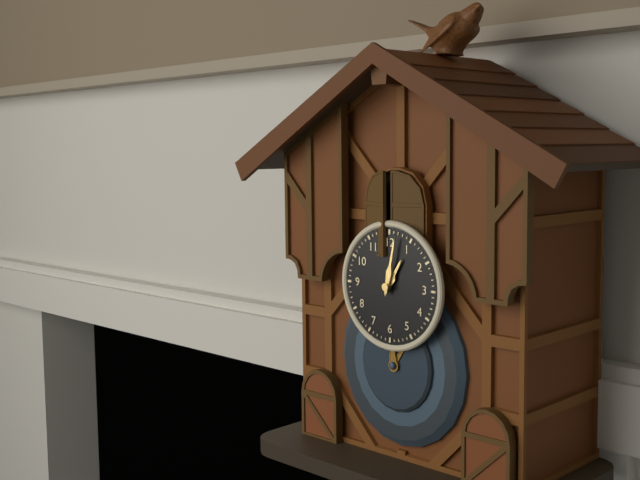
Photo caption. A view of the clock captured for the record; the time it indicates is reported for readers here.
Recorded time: 1:02
